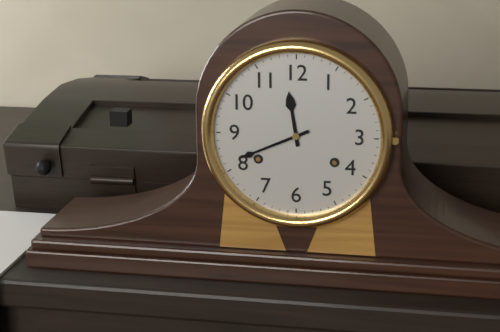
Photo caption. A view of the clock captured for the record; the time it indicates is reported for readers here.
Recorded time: 11:41
